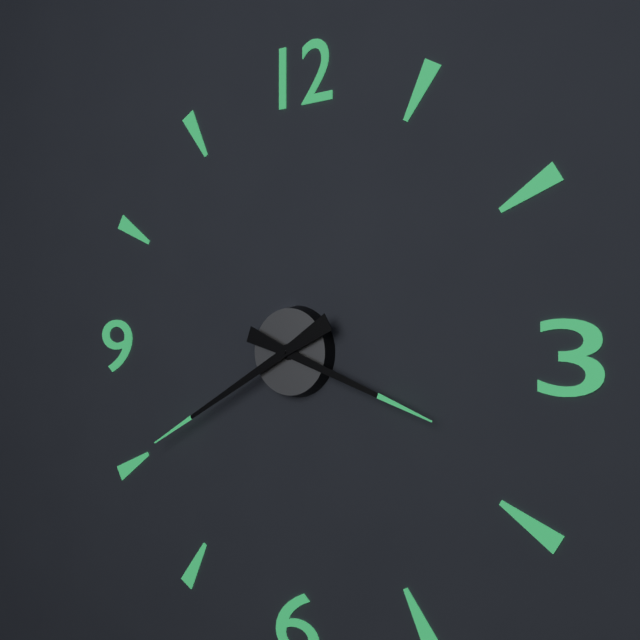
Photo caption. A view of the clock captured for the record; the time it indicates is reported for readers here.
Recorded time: 3:40
